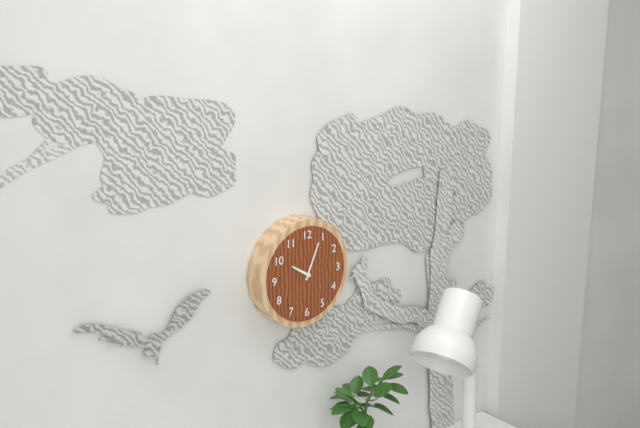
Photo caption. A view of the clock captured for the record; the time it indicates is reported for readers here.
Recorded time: 10:04
